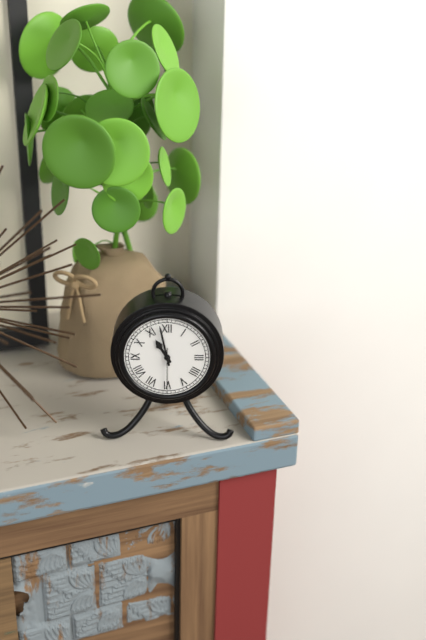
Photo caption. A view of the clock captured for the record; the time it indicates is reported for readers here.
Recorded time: 10:58:30
